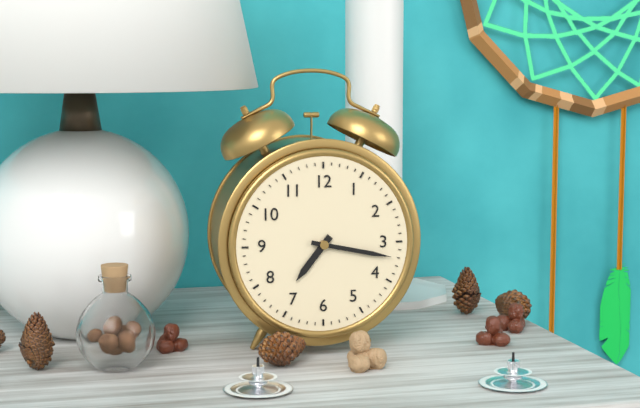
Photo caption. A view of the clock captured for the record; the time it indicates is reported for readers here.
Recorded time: 7:17
